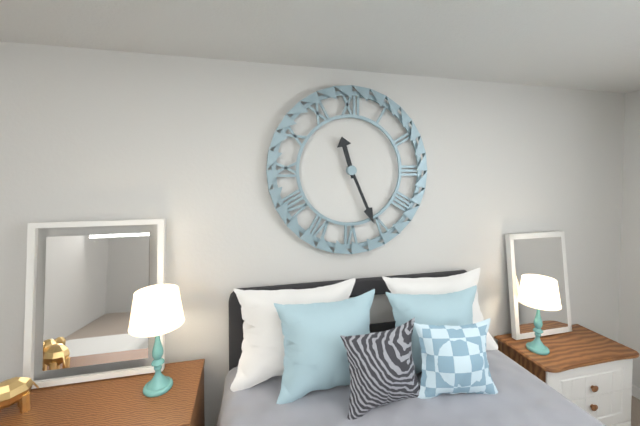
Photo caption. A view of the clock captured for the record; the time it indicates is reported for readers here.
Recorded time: 11:26
